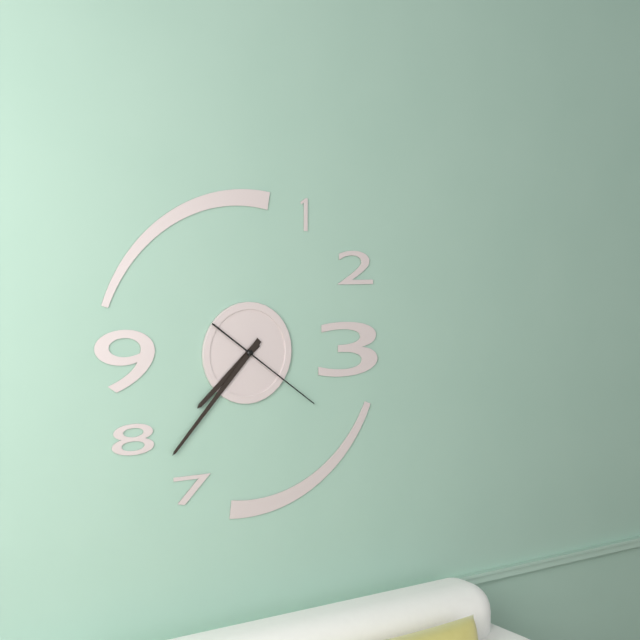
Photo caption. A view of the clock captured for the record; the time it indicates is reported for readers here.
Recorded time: 7:37:21
